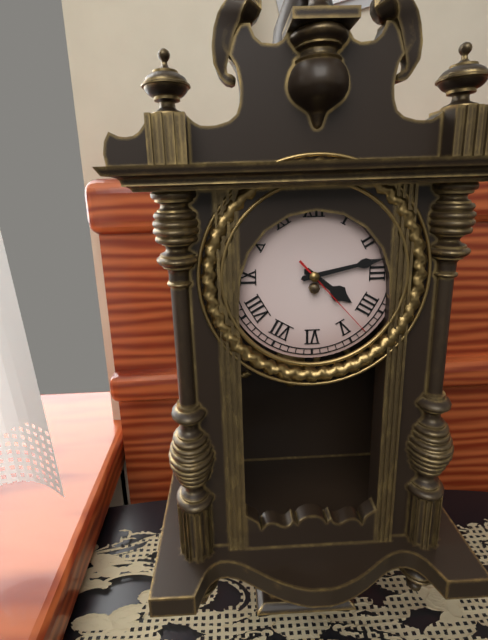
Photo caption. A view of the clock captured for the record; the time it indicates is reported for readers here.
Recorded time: 4:13:23
